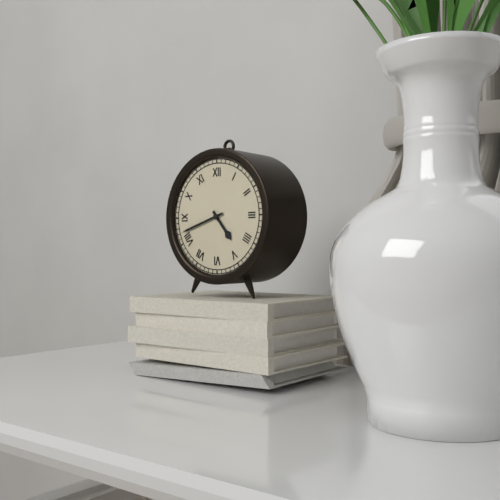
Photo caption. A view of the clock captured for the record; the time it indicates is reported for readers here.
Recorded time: 4:42
